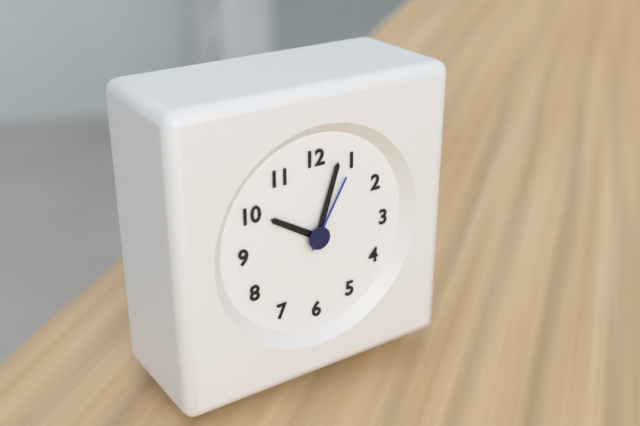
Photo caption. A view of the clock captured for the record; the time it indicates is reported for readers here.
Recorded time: 10:03:05
